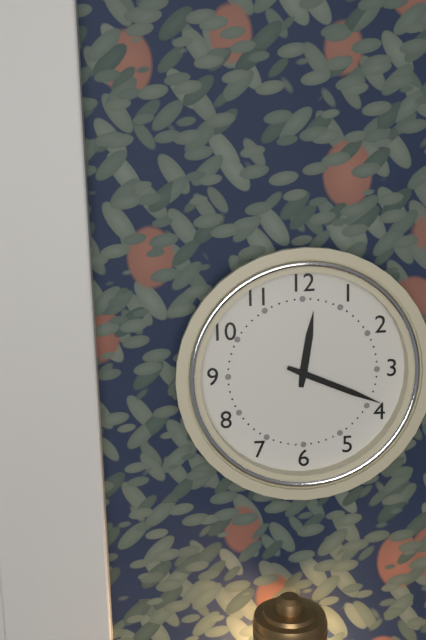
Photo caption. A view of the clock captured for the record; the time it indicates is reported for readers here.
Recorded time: 12:19
